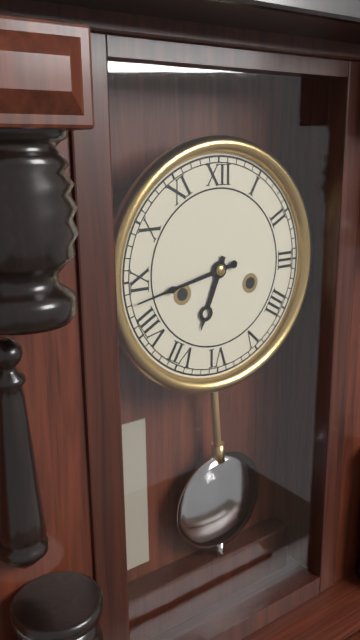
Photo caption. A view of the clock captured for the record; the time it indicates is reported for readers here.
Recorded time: 6:43
